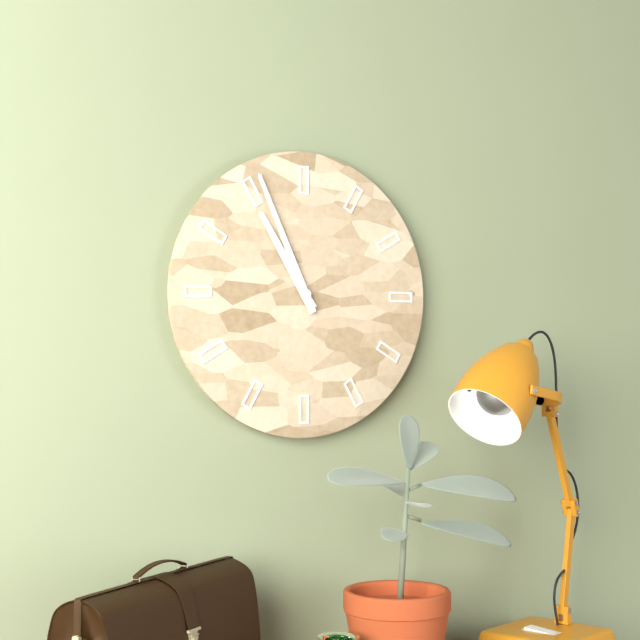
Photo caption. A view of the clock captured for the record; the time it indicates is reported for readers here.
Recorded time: 10:56
